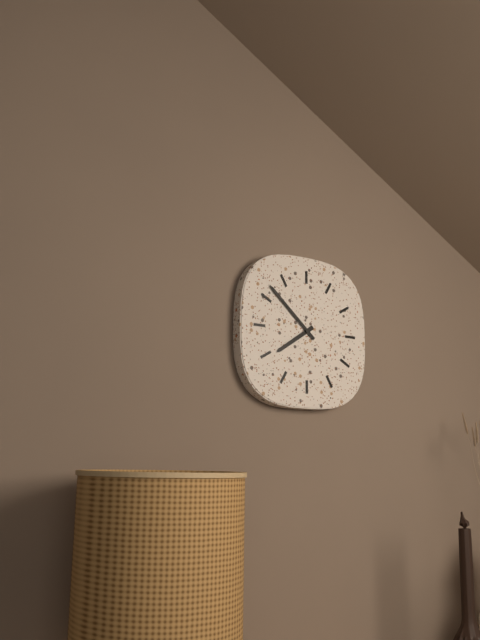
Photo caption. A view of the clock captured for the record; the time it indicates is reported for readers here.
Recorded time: 7:52
